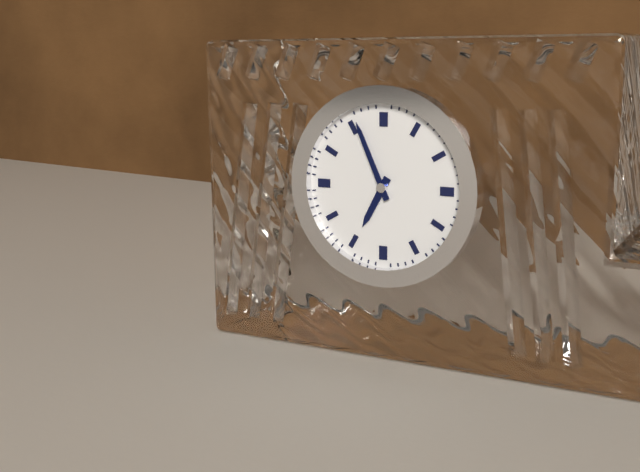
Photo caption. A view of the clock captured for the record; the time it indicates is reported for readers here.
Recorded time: 6:56
